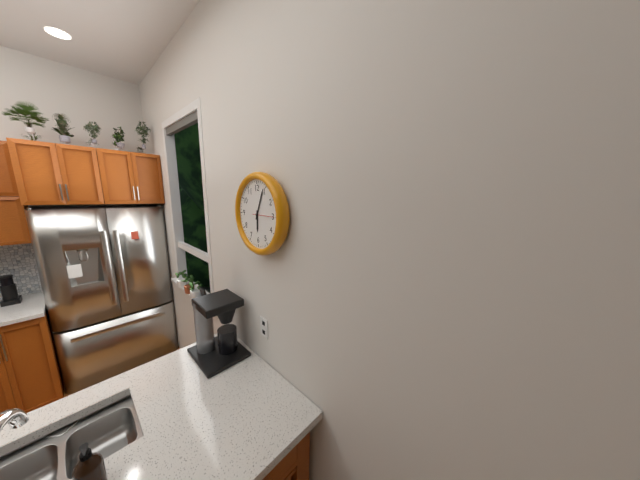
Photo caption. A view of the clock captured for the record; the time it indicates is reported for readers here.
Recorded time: 6:04
